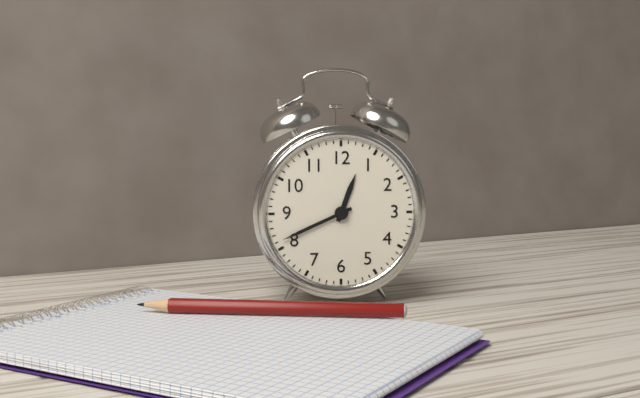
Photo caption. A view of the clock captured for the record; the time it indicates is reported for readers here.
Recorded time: 12:41
